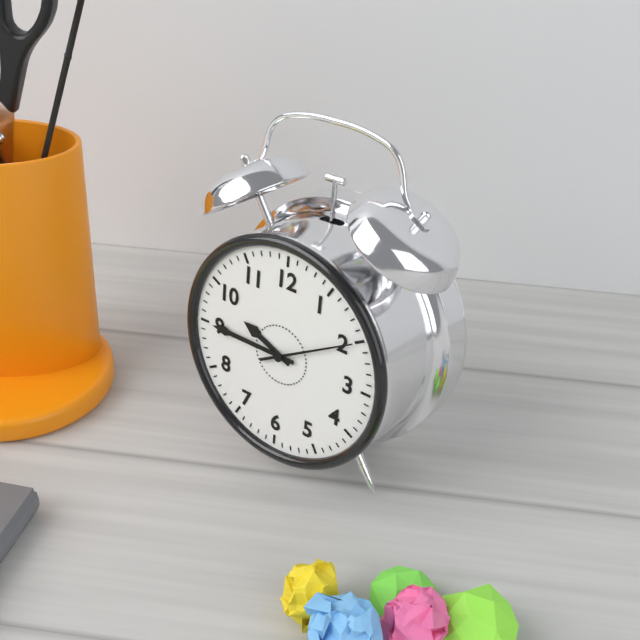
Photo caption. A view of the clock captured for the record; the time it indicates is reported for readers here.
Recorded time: 9:45:10
